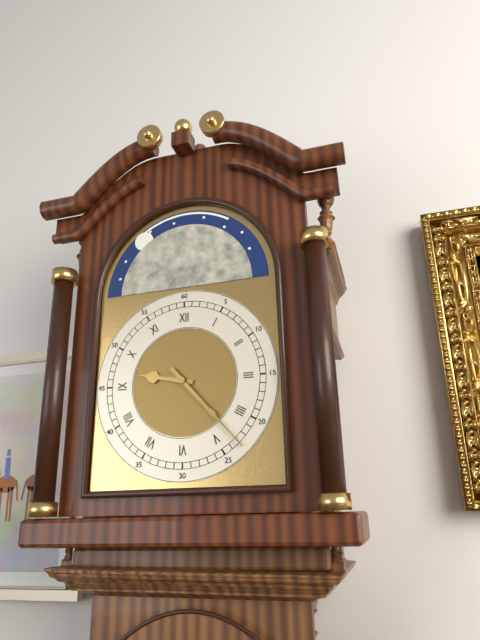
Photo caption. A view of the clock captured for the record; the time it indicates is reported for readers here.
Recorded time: 9:23
